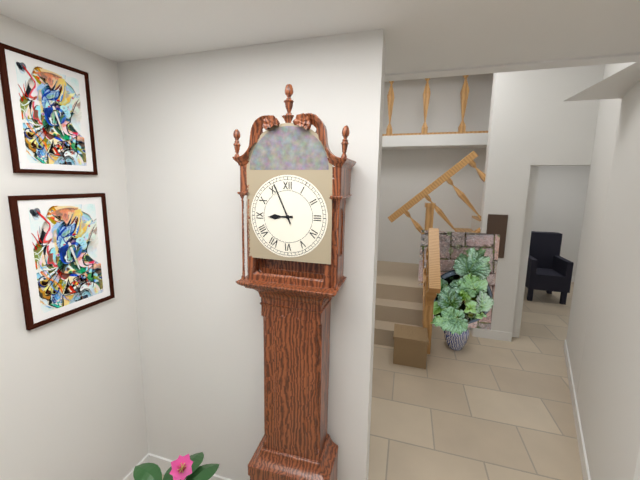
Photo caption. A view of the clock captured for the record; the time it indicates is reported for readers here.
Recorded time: 8:56
